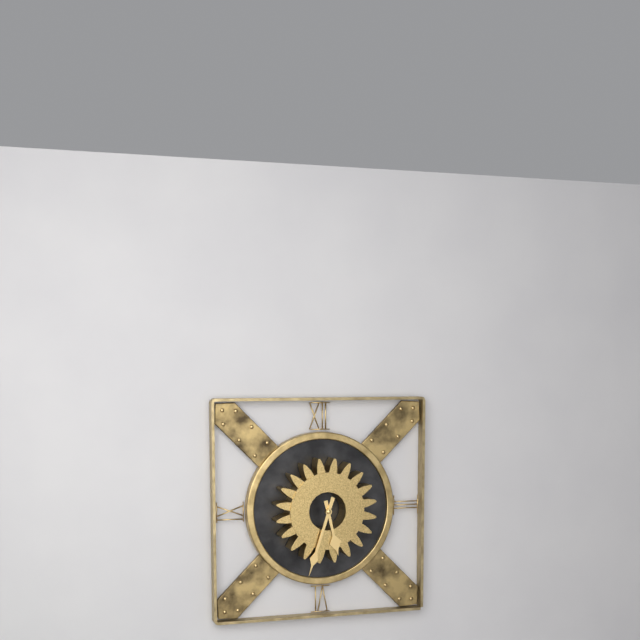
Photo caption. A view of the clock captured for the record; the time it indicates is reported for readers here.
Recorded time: 5:33
